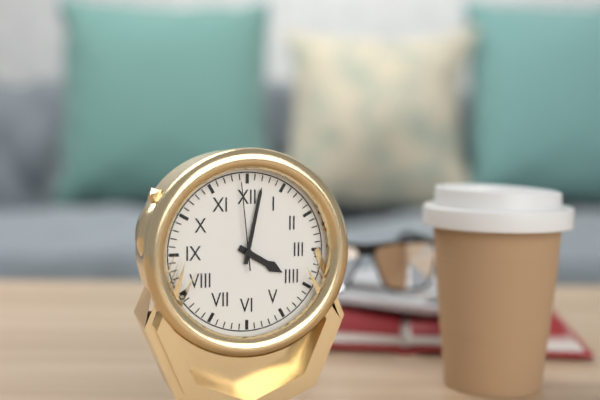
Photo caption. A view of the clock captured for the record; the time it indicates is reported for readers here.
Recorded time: 4:02:59
